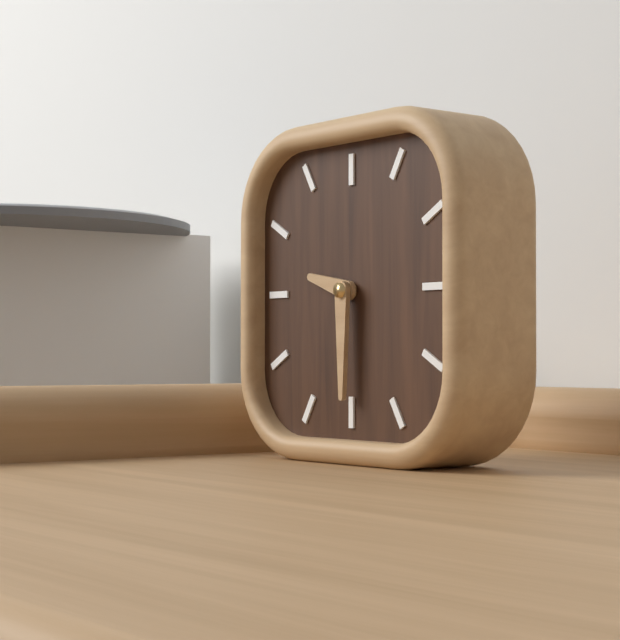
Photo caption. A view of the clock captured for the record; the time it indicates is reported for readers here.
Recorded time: 9:30
